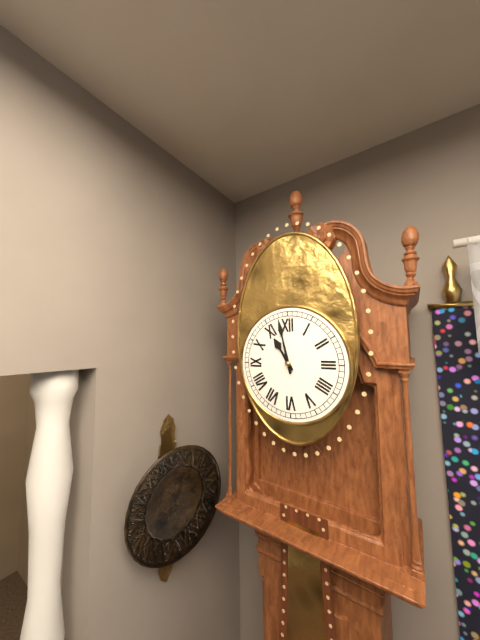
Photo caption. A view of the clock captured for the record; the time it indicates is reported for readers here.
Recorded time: 10:58
